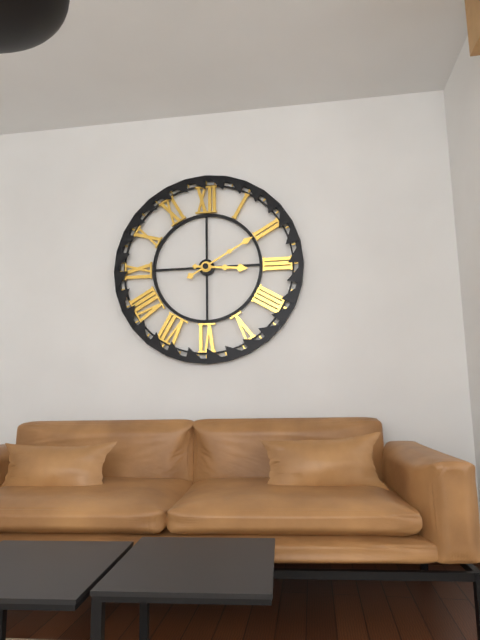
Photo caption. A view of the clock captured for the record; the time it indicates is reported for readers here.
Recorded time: 3:10
